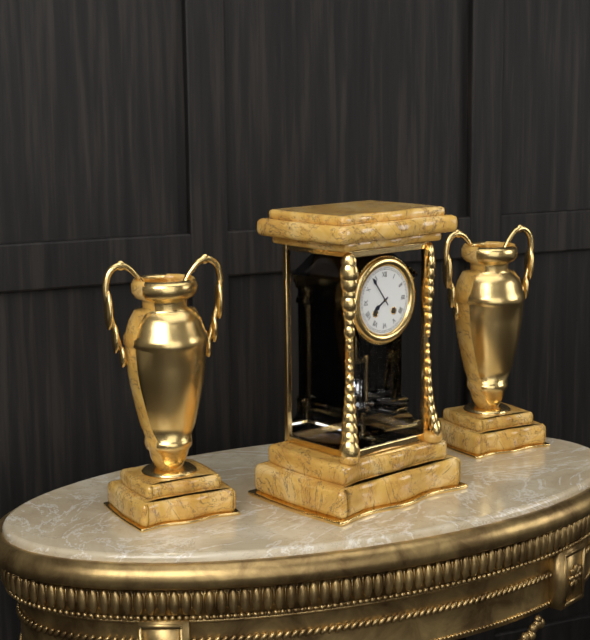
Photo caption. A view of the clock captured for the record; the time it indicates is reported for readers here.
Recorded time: 7:54
